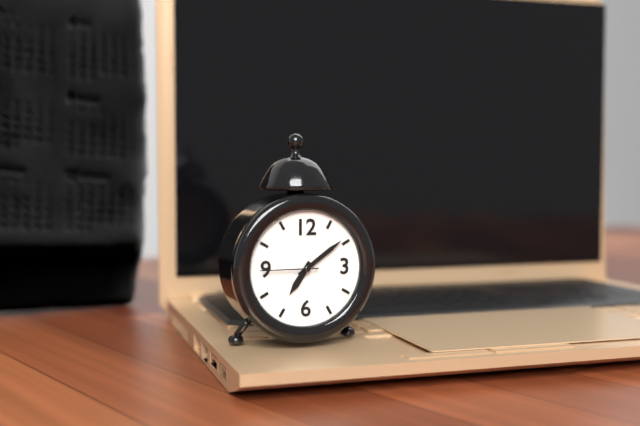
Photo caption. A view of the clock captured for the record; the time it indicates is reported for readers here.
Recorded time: 7:09:45
